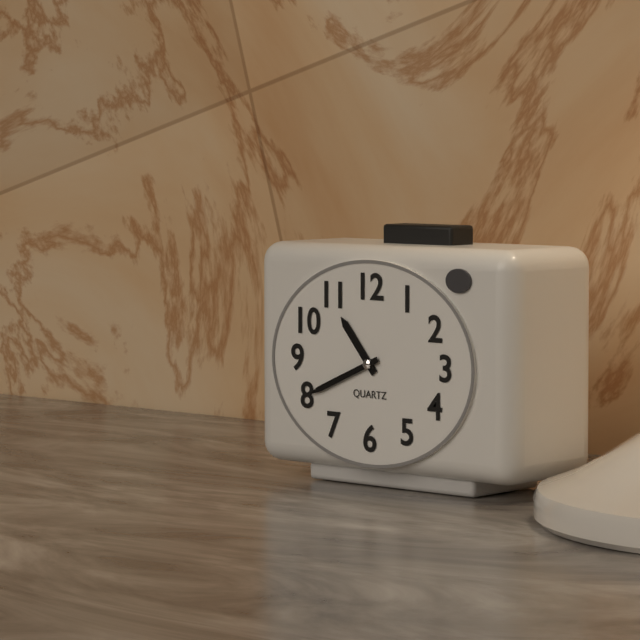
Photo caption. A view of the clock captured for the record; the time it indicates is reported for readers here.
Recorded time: 10:41
